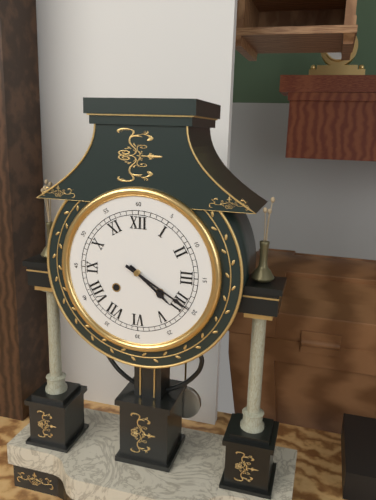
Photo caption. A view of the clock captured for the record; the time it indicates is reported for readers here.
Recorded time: 4:20
